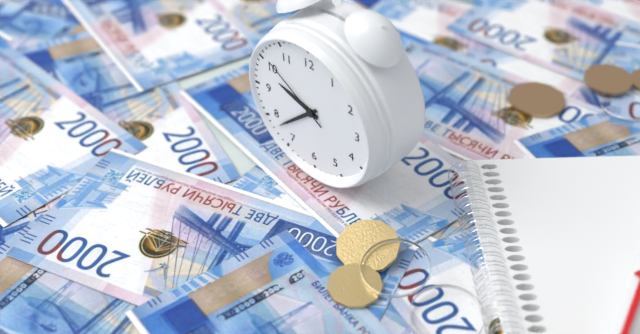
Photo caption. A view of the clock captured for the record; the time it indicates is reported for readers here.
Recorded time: 9:38:51
